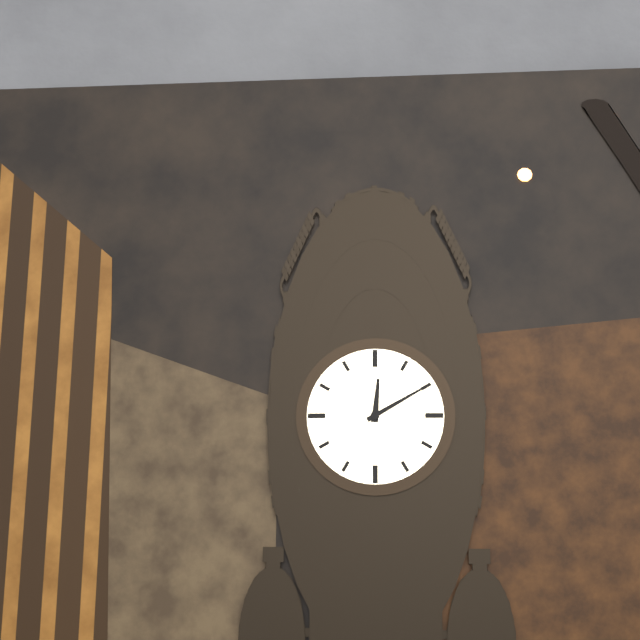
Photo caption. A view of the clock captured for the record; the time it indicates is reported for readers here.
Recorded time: 12:10
